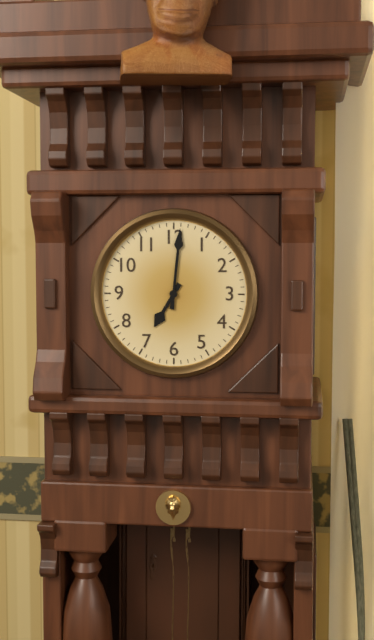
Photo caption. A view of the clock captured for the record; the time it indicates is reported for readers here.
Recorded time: 7:01
